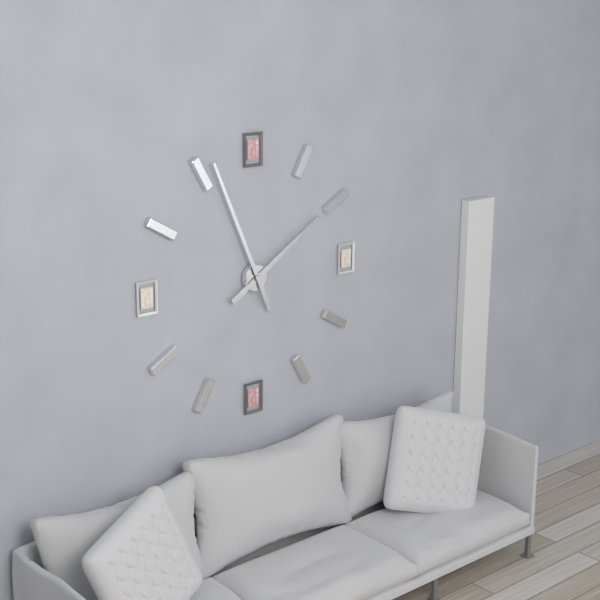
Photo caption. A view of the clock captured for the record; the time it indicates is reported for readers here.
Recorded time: 1:56
